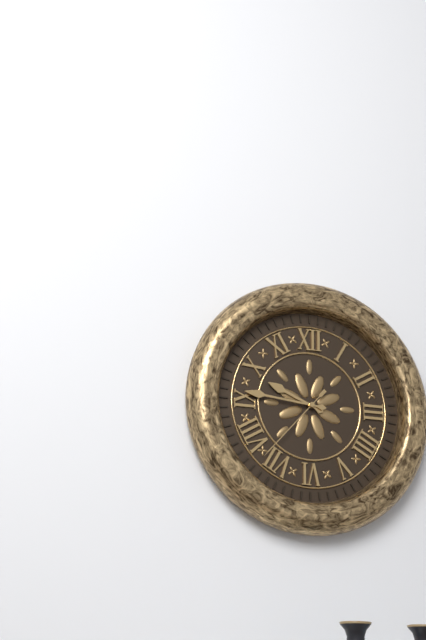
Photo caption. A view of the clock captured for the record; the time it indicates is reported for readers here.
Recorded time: 9:46:37
